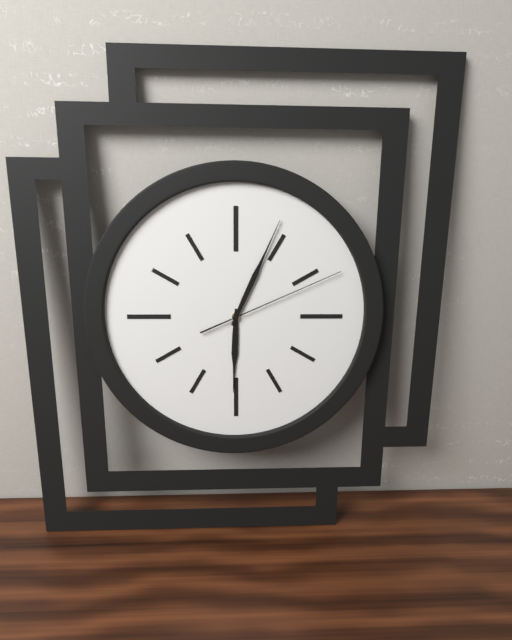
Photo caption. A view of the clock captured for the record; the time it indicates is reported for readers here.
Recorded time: 6:04:11
